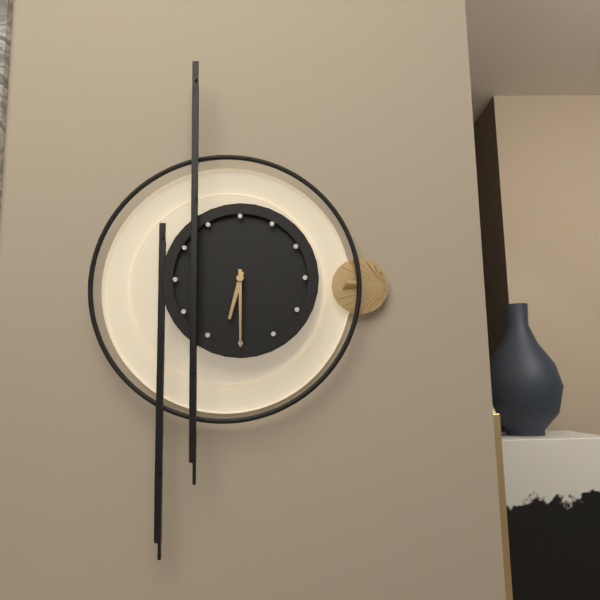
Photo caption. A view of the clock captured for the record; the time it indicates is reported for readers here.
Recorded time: 6:30
